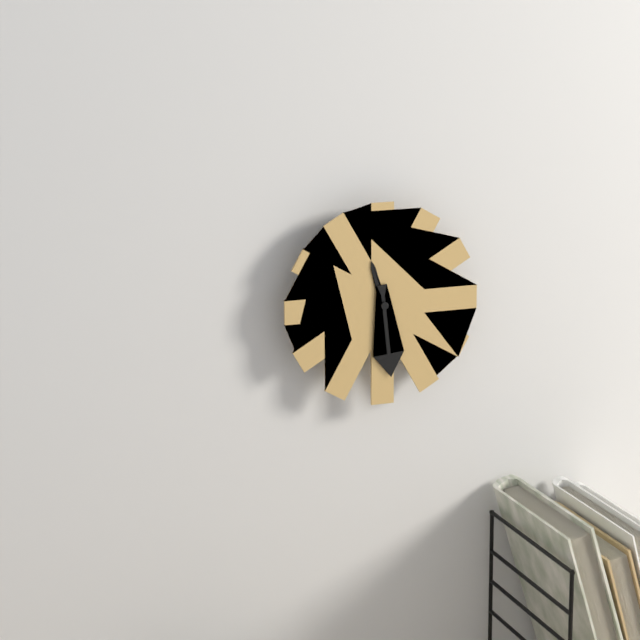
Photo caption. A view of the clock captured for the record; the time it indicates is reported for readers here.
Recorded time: 11:29
